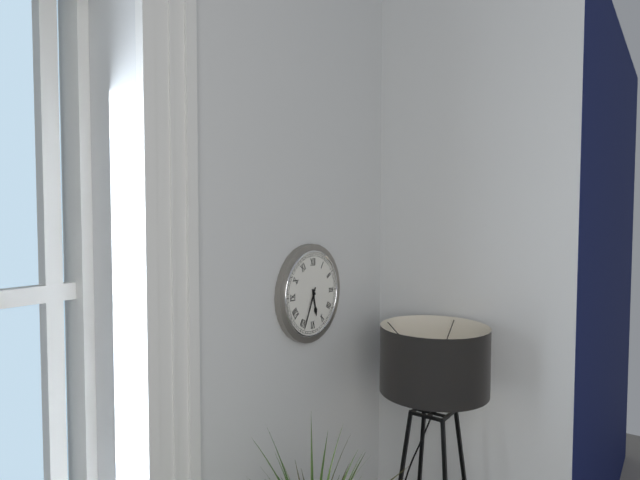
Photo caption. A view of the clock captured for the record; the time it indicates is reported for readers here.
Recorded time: 5:34
